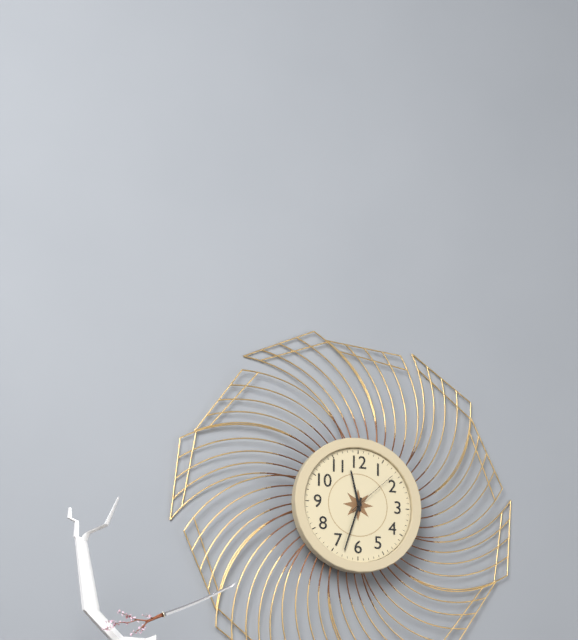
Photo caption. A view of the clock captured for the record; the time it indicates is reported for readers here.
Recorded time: 11:33:08
